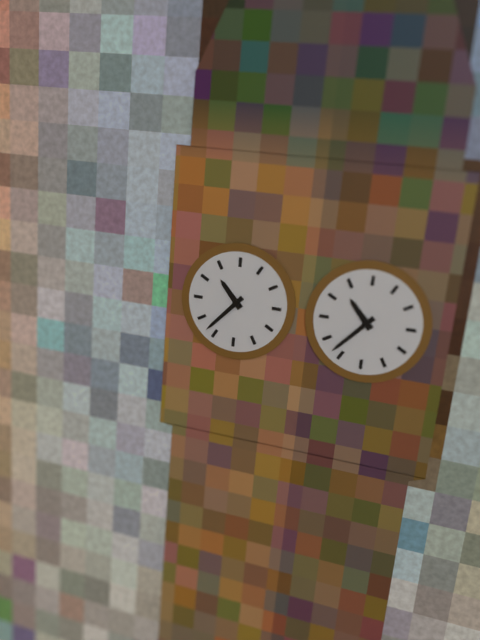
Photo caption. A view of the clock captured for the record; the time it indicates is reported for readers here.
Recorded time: 10:37
